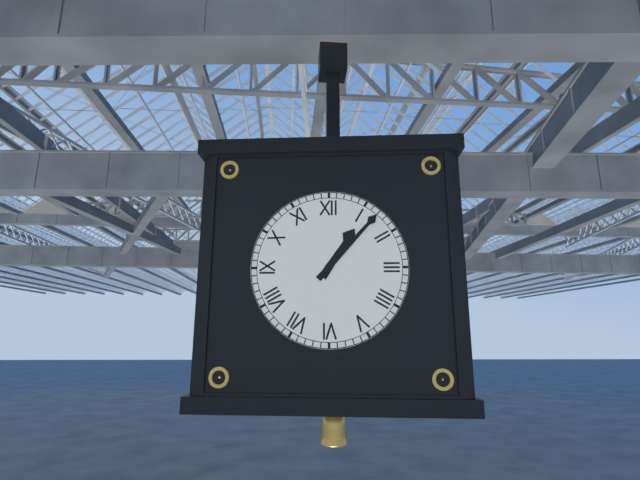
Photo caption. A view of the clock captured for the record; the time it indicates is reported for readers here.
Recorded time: 1:07
